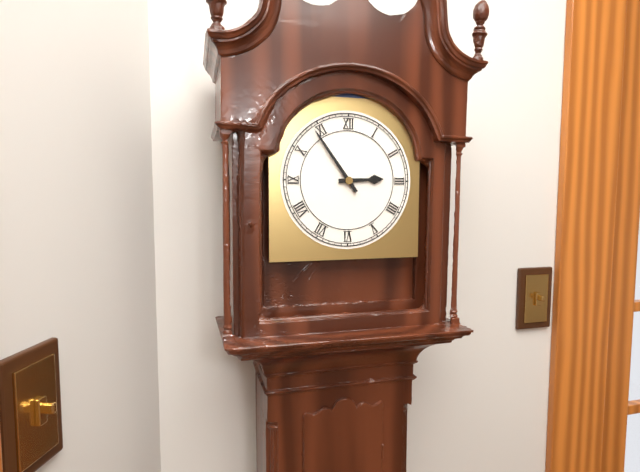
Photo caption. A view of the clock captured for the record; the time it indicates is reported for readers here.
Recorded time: 2:54
